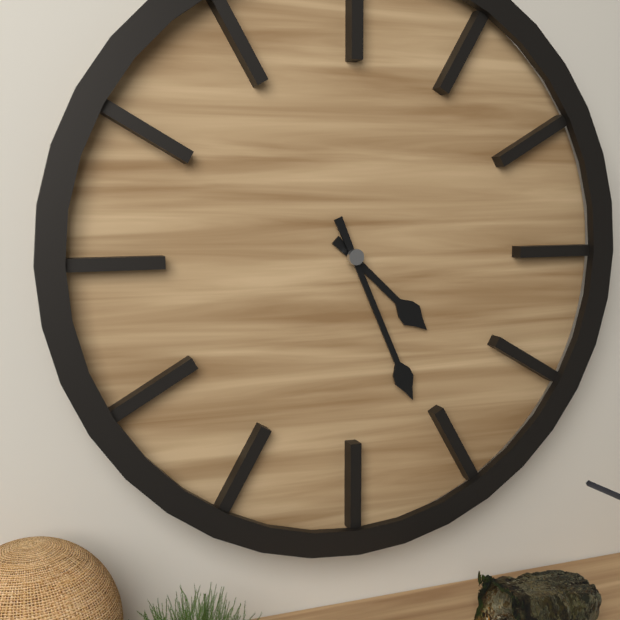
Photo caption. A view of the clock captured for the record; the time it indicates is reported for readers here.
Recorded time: 4:26
